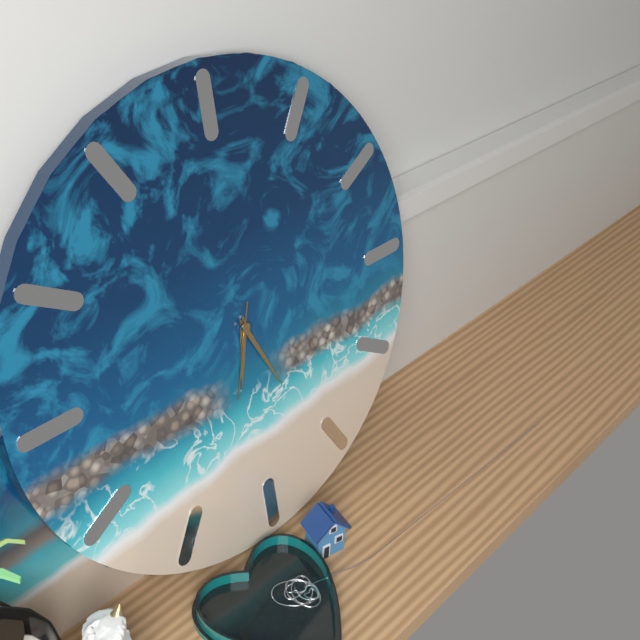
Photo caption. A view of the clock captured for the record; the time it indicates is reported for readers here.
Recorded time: 6:26:33
